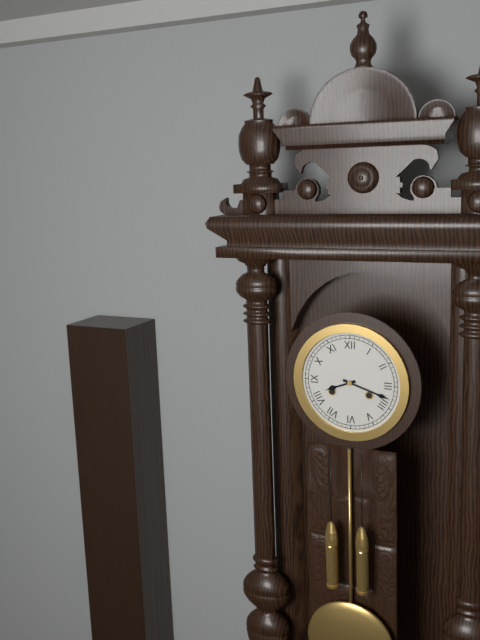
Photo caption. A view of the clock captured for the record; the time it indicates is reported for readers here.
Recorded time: 8:18
